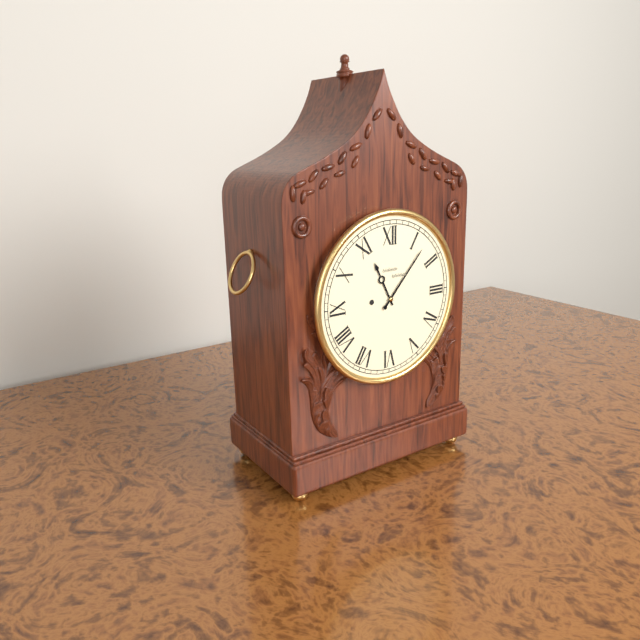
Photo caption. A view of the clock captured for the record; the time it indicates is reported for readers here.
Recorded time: 11:07
